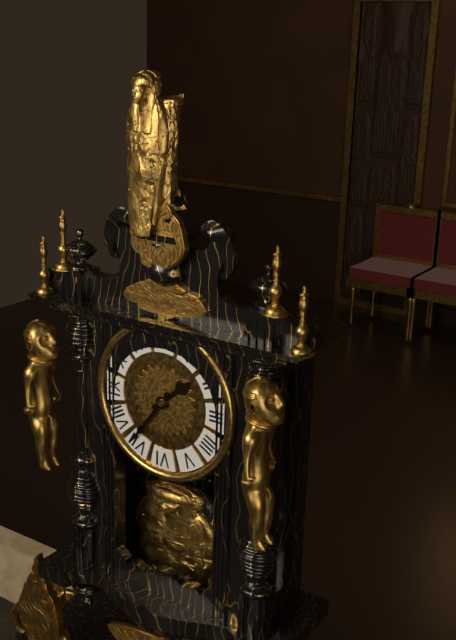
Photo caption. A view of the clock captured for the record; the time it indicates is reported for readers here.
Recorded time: 1:36
